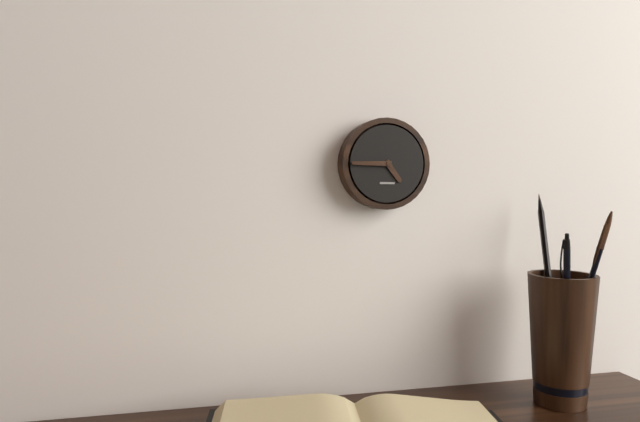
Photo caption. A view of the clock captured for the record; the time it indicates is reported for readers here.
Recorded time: 4:45
